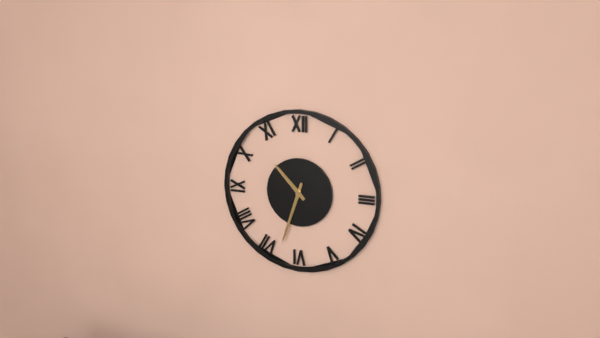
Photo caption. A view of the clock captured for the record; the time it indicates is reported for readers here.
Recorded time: 10:33
